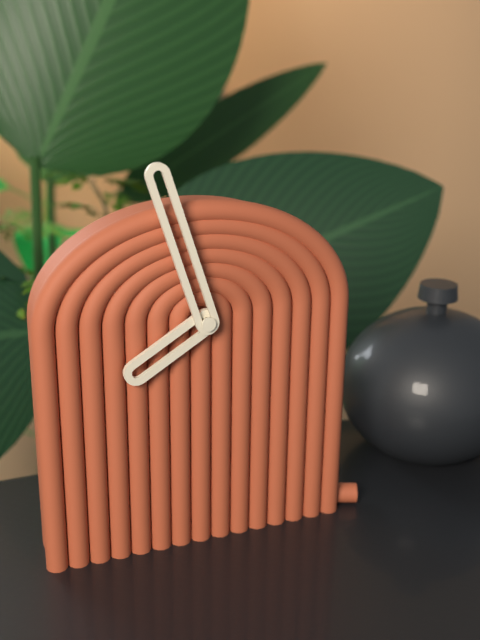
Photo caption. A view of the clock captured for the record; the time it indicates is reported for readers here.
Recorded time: 7:57
